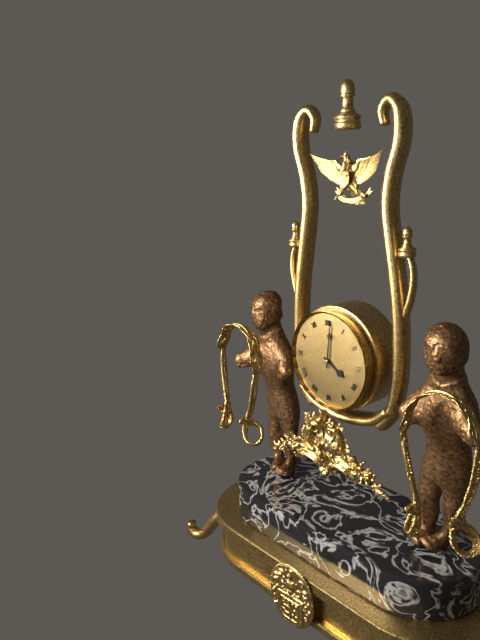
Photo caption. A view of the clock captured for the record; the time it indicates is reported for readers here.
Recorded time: 4:01
